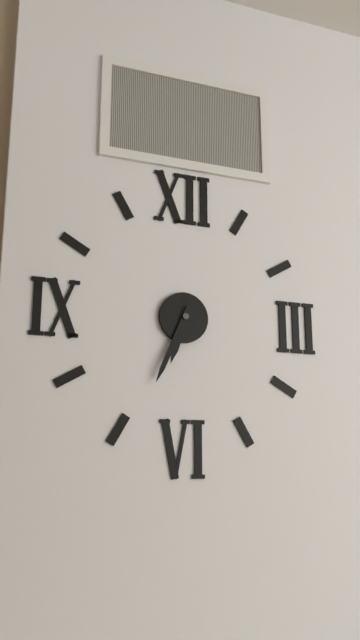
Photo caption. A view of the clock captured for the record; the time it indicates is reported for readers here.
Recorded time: 6:34
